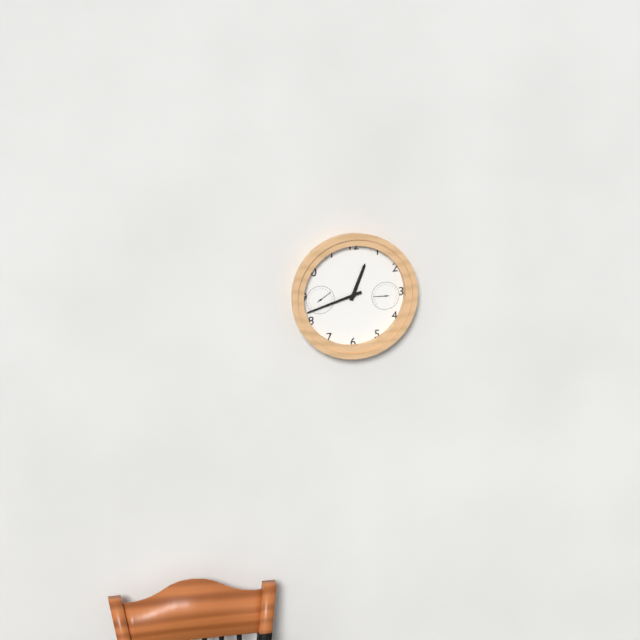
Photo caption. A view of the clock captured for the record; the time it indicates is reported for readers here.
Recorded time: 12:42
